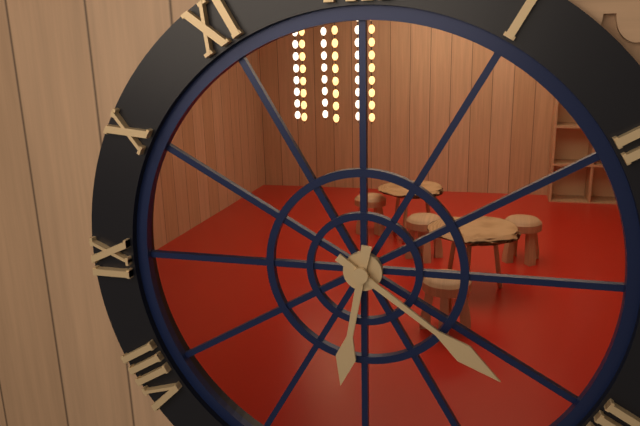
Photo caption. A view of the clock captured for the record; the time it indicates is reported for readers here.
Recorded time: 6:21
